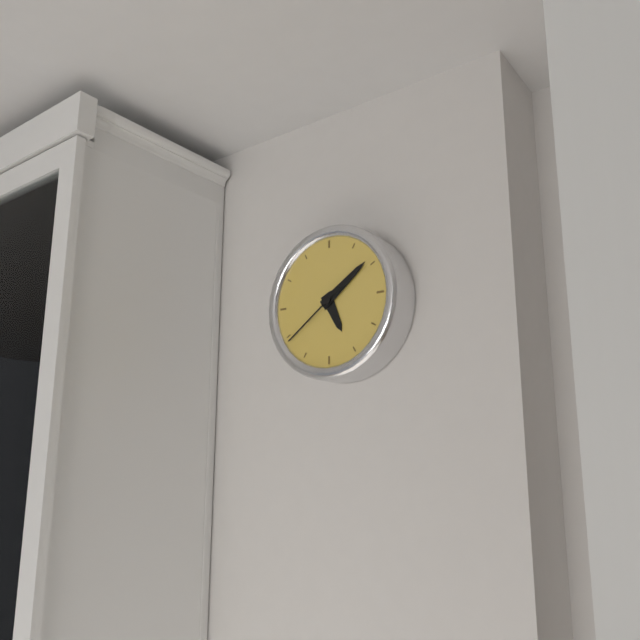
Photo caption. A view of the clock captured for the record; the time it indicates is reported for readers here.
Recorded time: 5:09:39
